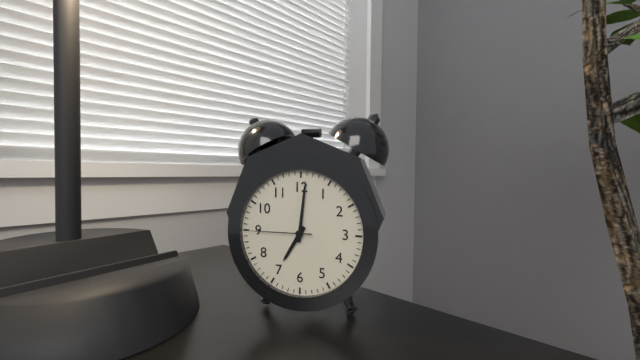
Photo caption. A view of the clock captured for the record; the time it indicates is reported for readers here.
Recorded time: 7:01:45
